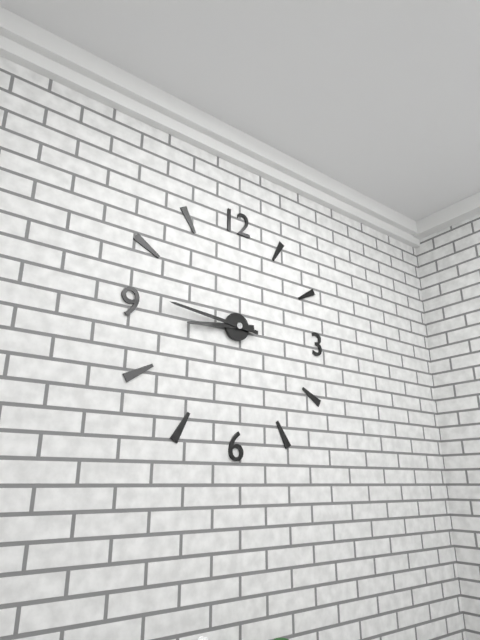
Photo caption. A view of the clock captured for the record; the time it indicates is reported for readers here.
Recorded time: 8:46
